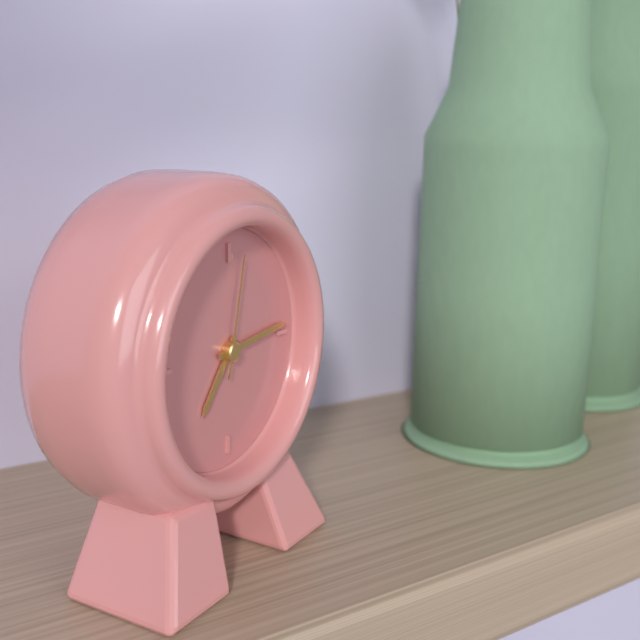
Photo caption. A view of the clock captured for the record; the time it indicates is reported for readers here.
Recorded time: 7:14:02
